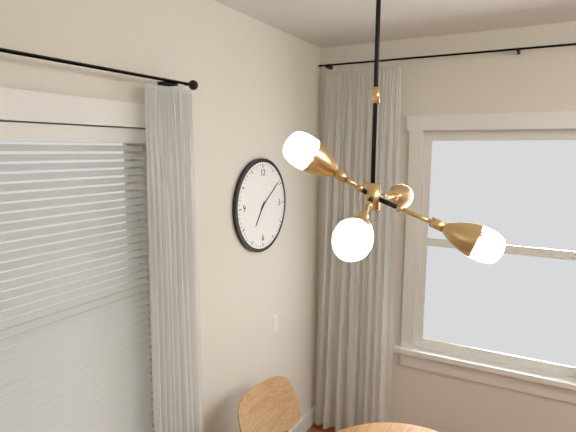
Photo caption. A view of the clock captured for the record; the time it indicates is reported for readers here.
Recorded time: 7:09
